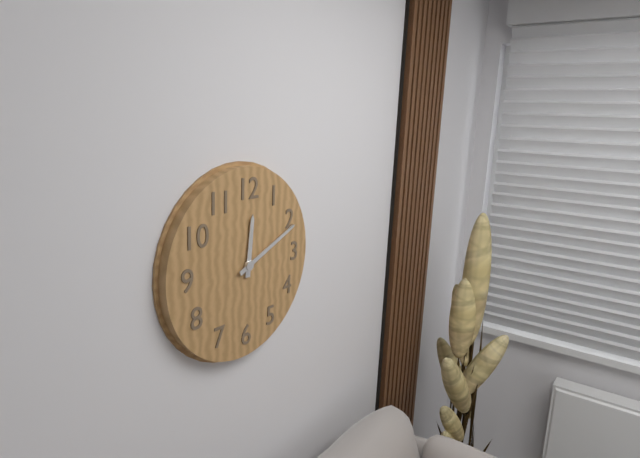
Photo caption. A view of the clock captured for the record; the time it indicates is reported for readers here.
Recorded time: 12:11
